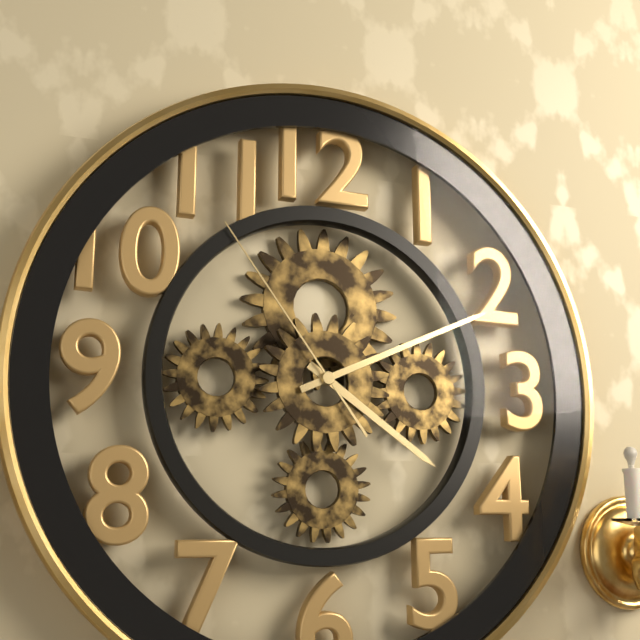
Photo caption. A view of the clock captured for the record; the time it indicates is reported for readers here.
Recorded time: 4:11:54
